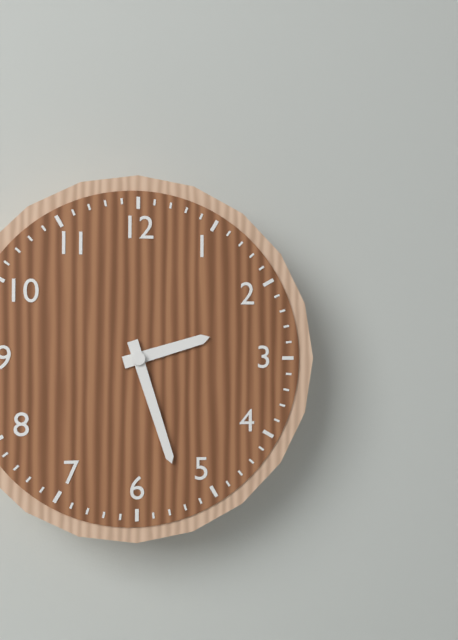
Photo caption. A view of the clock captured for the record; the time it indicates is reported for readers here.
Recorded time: 2:27
